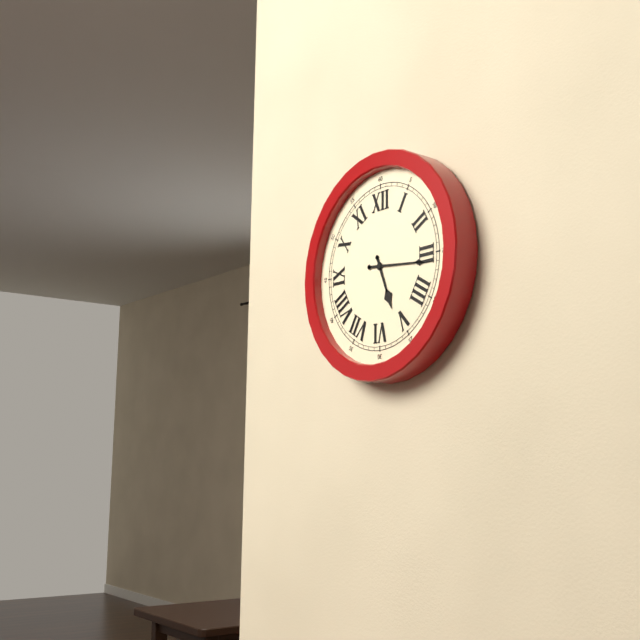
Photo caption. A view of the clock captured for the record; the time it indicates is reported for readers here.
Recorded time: 5:16
